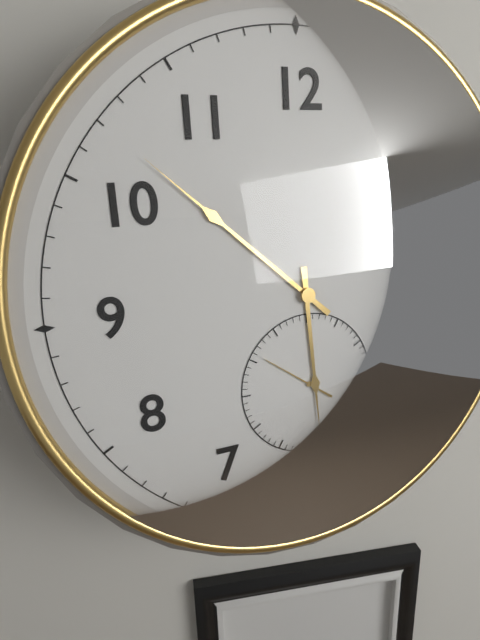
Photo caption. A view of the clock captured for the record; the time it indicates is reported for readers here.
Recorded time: 5:52:51
